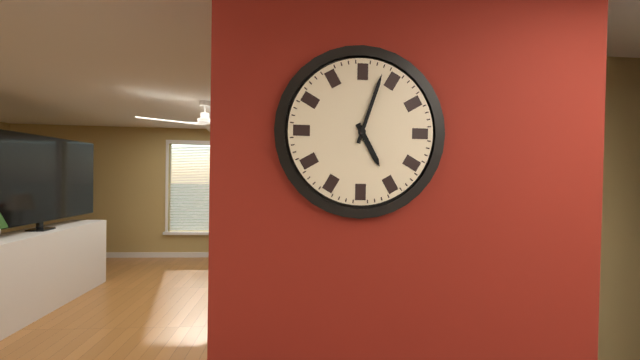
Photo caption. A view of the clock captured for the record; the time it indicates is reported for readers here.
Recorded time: 5:03
